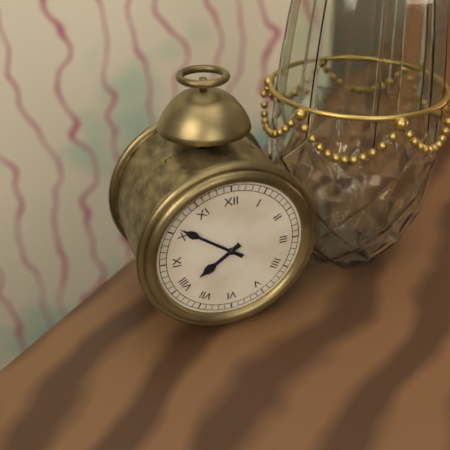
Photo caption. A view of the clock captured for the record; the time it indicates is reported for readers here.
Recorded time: 7:51
